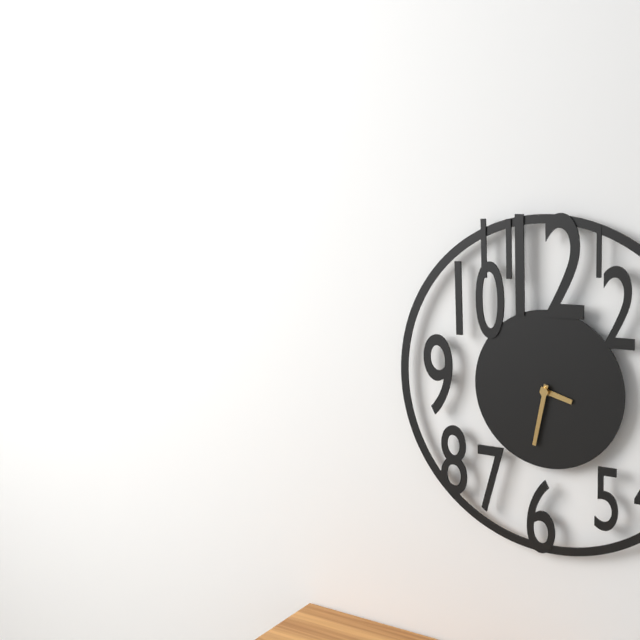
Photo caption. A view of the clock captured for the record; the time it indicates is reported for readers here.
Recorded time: 3:32
